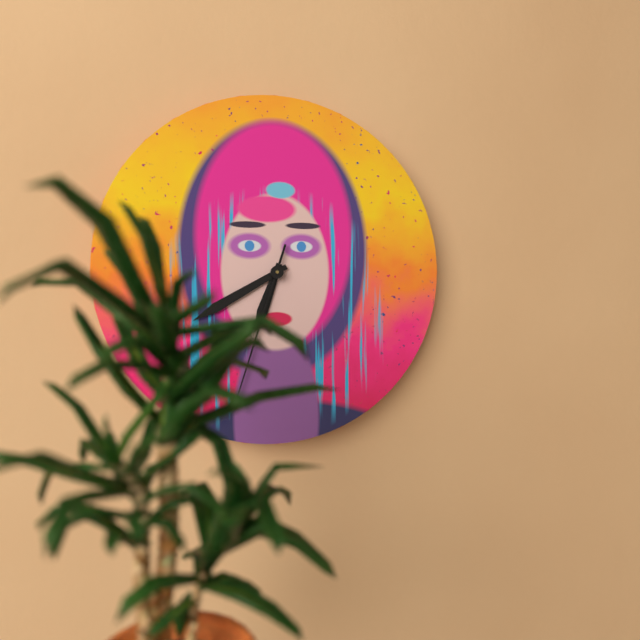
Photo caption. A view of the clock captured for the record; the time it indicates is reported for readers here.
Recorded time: 6:40:33
